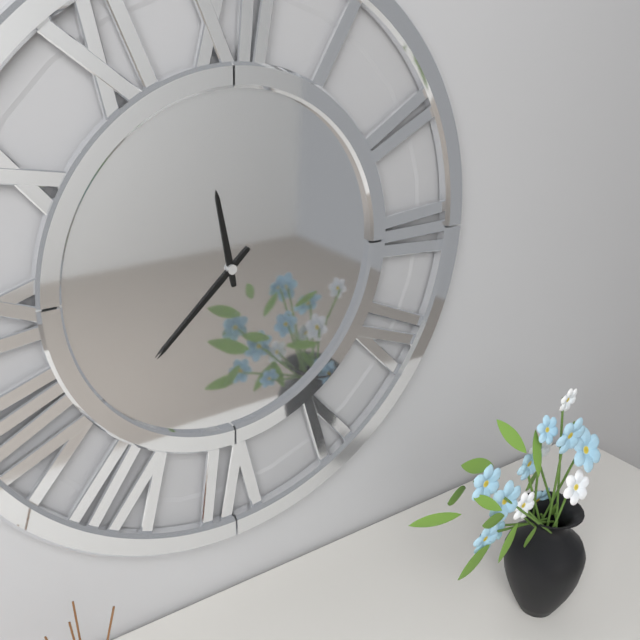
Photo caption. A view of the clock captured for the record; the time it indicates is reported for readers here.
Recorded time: 11:38
